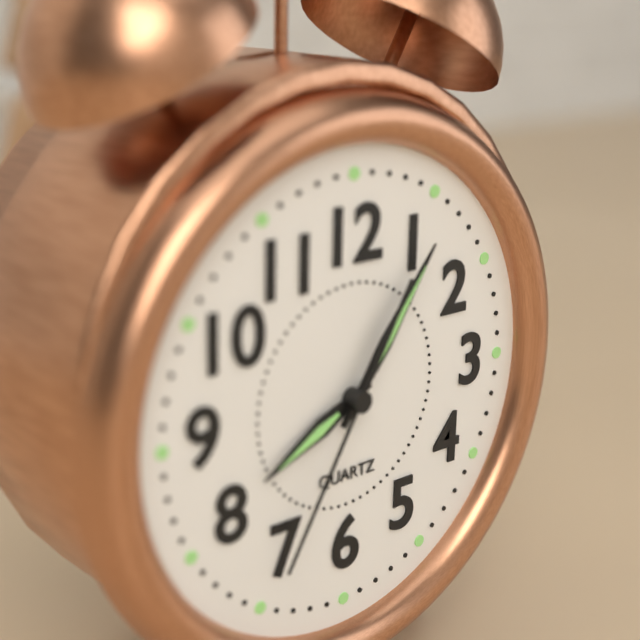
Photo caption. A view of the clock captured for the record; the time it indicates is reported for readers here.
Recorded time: 8:06:35
